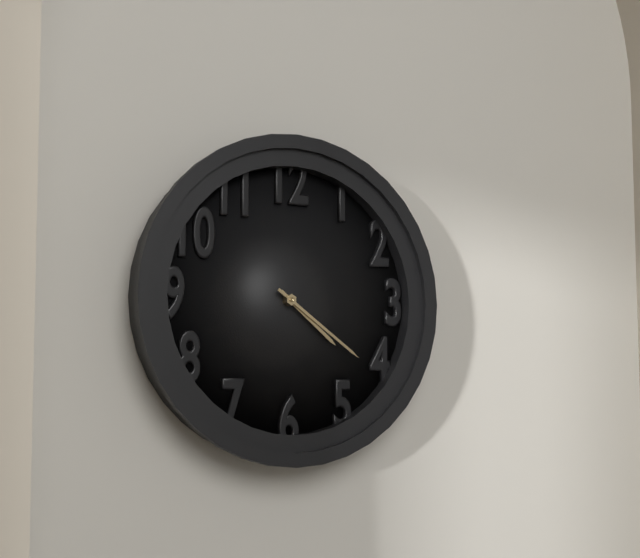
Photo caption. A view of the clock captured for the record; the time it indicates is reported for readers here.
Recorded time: 4:21
